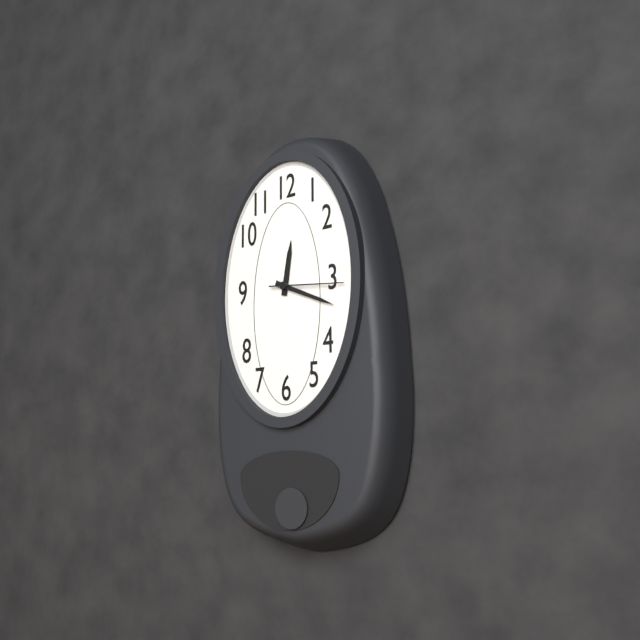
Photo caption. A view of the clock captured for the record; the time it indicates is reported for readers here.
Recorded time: 12:19:16
